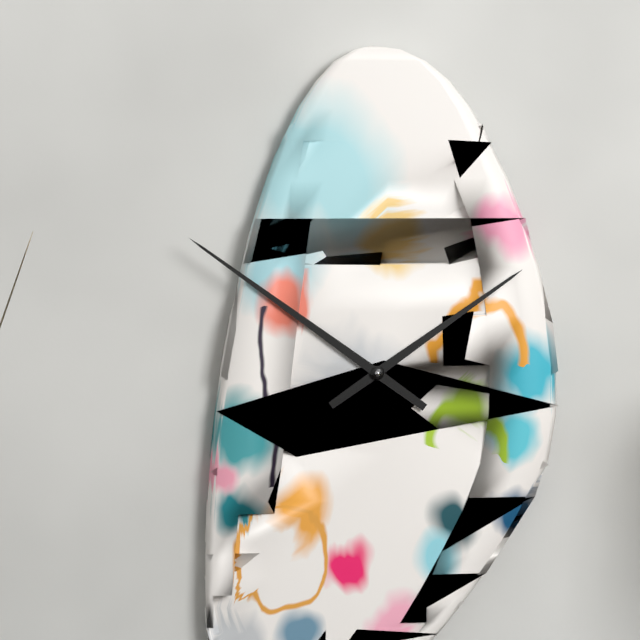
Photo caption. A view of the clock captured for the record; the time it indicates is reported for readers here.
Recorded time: 1:51
